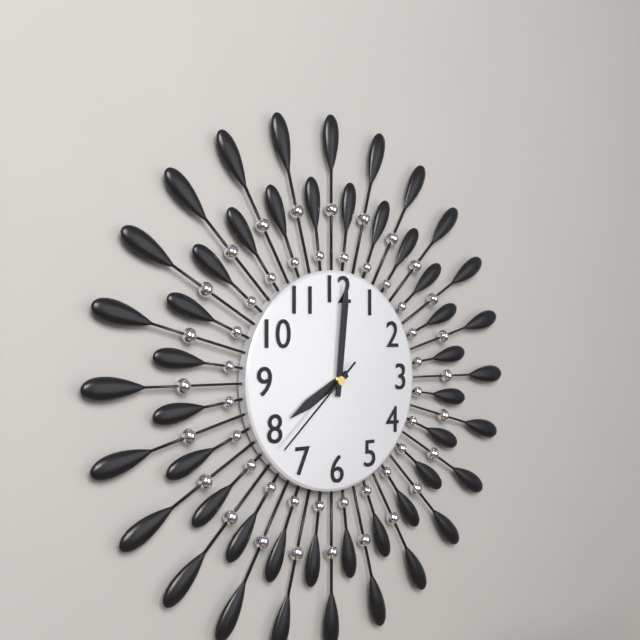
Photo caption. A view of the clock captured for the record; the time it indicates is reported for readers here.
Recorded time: 8:01:38
